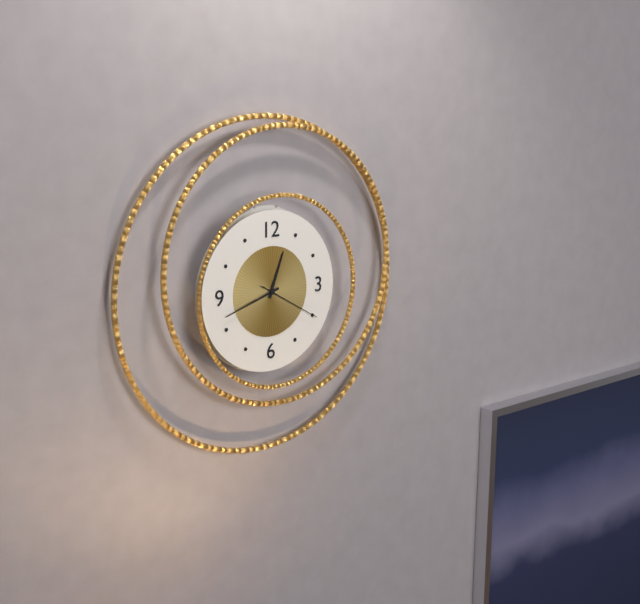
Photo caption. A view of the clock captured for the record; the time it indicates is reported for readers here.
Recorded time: 12:42:20
